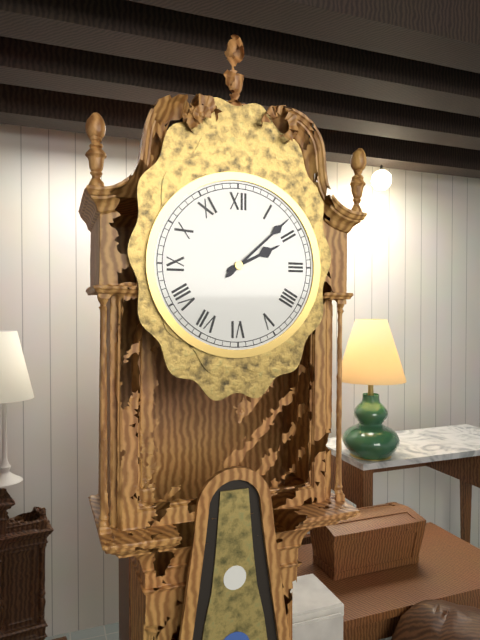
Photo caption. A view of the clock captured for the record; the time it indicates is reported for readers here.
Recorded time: 2:08
